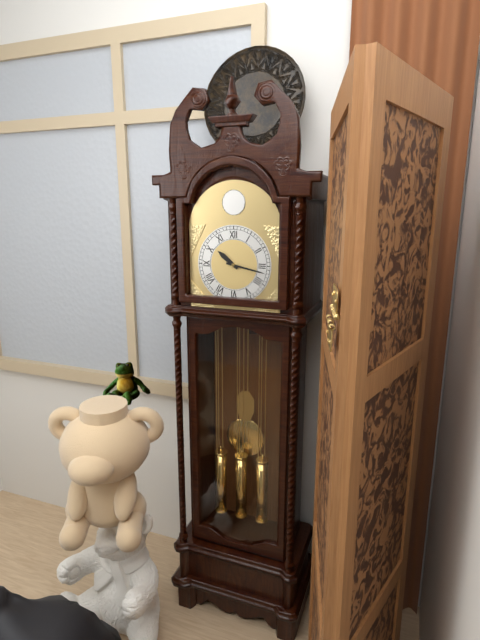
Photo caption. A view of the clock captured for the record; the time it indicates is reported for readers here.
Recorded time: 10:17
